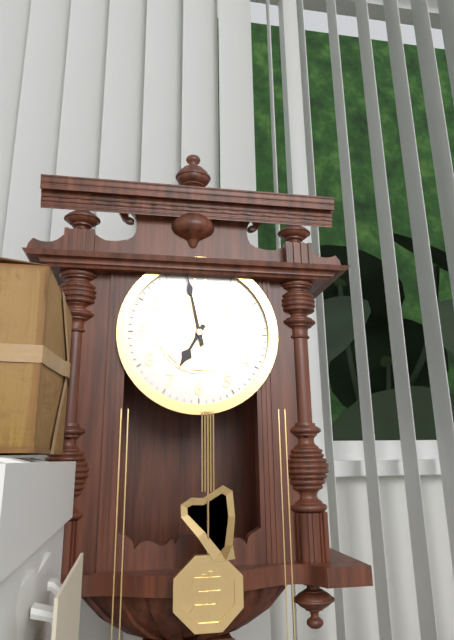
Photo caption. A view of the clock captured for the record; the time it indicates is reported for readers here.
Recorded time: 6:58
